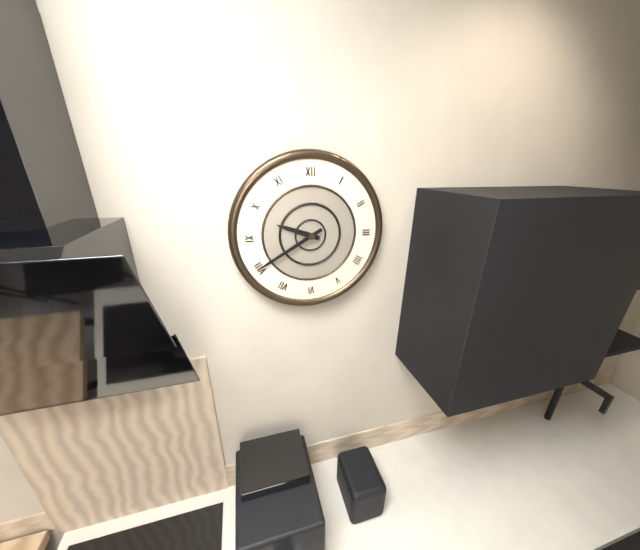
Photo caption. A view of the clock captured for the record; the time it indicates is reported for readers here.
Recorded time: 9:40
